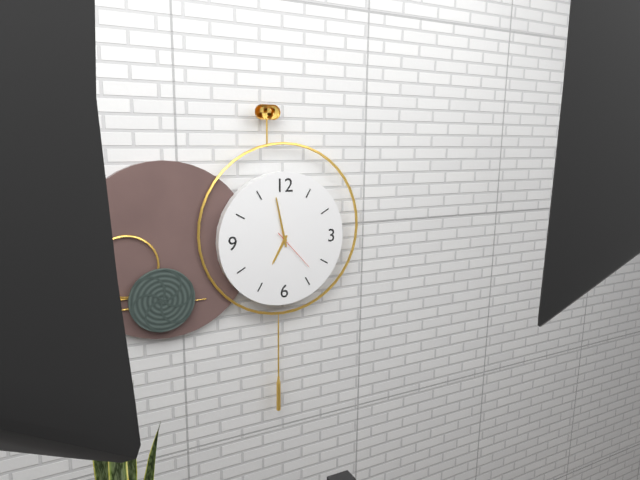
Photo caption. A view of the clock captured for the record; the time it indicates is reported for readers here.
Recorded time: 6:58
